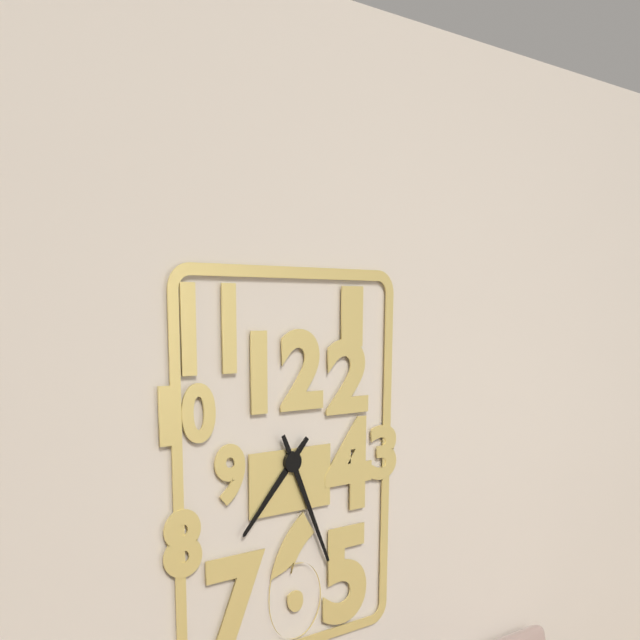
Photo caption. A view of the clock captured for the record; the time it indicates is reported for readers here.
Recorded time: 7:26
